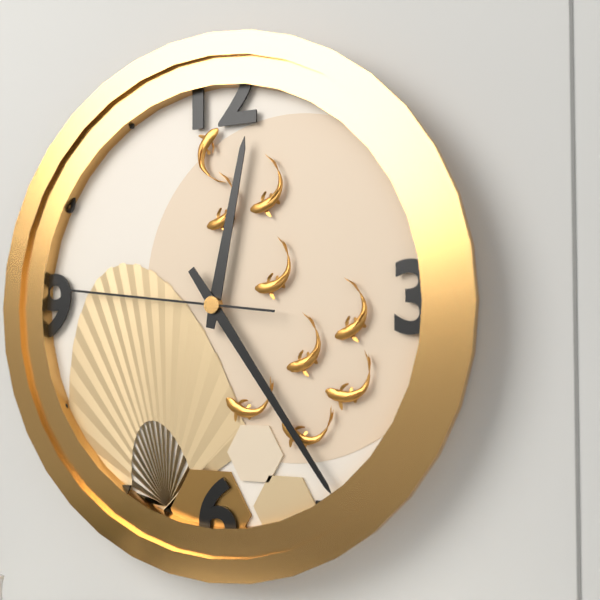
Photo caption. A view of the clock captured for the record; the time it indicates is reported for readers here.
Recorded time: 12:24:46
